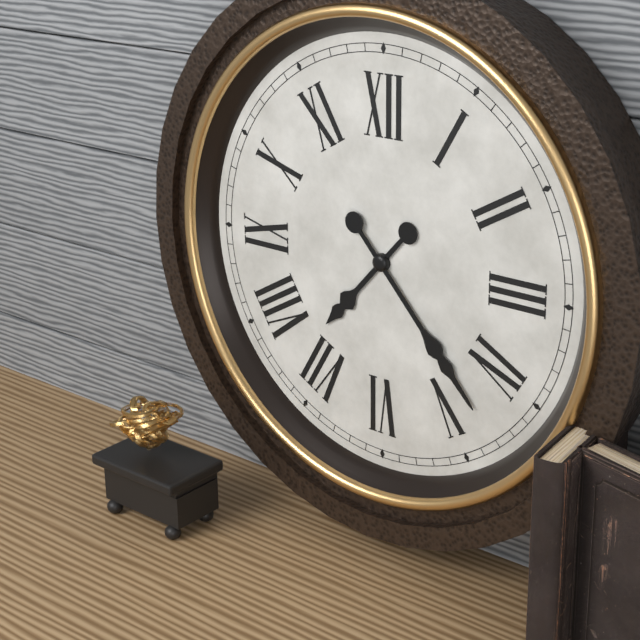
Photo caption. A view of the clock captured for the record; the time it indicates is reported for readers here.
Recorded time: 7:23
